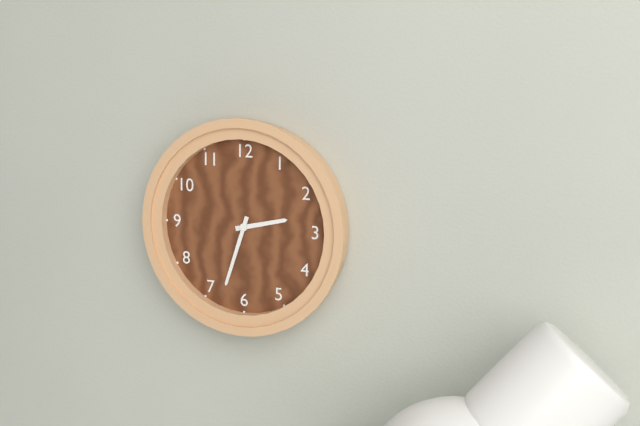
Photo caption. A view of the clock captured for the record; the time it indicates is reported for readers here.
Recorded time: 2:33
